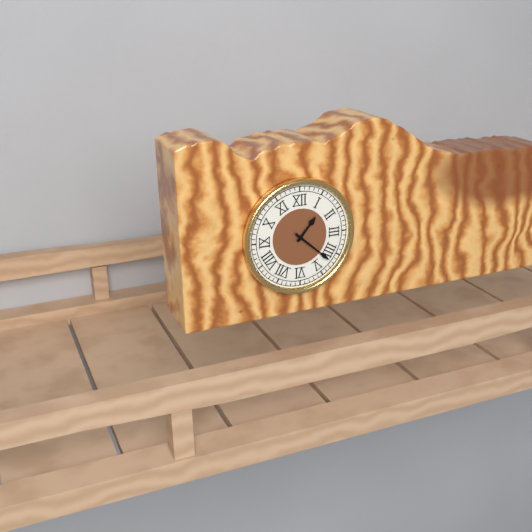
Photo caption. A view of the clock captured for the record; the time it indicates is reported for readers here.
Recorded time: 1:22
